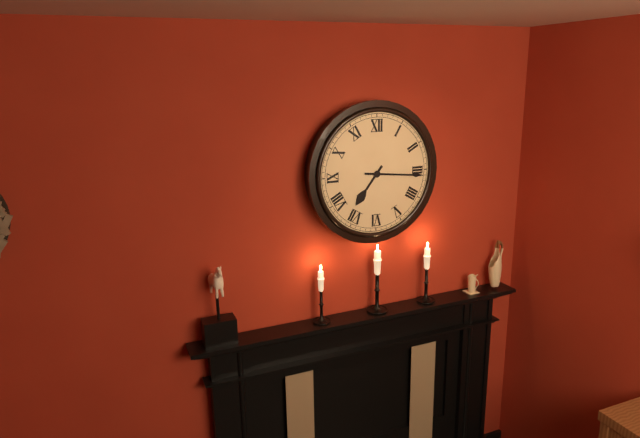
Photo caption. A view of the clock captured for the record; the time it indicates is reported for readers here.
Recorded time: 7:16
